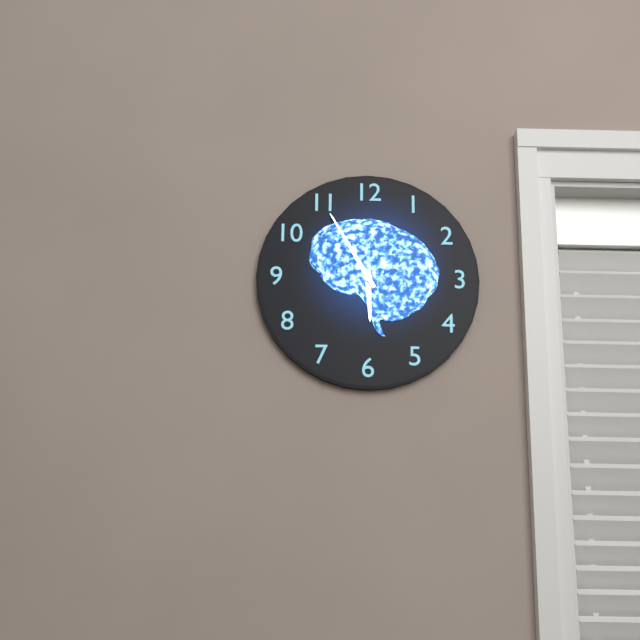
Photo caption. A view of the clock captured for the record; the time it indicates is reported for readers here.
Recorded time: 5:55
